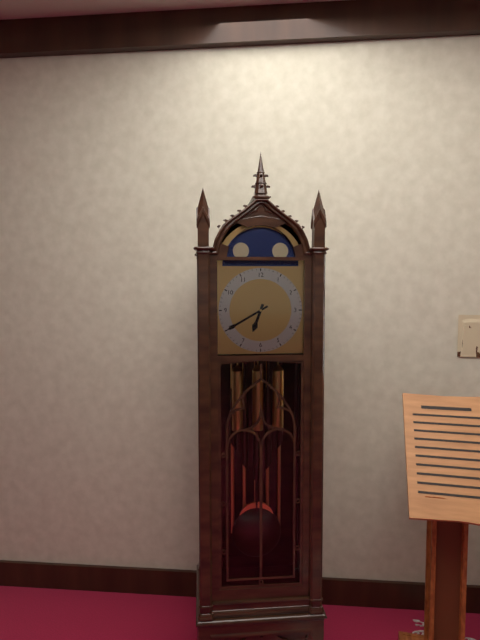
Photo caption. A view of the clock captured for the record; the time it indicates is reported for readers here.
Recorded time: 6:40
